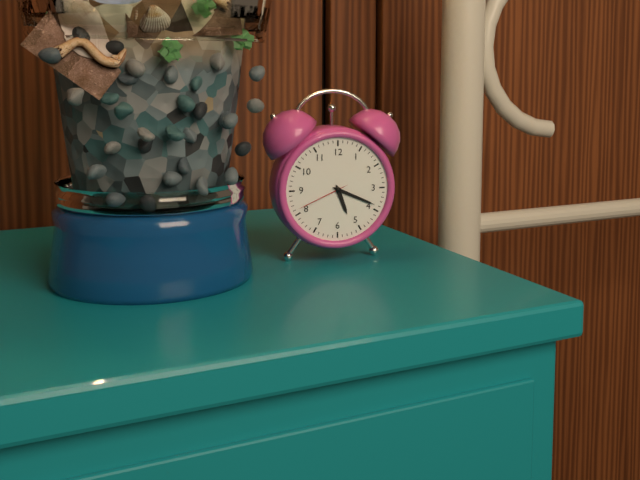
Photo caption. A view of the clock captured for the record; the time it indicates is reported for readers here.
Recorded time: 5:19:41
